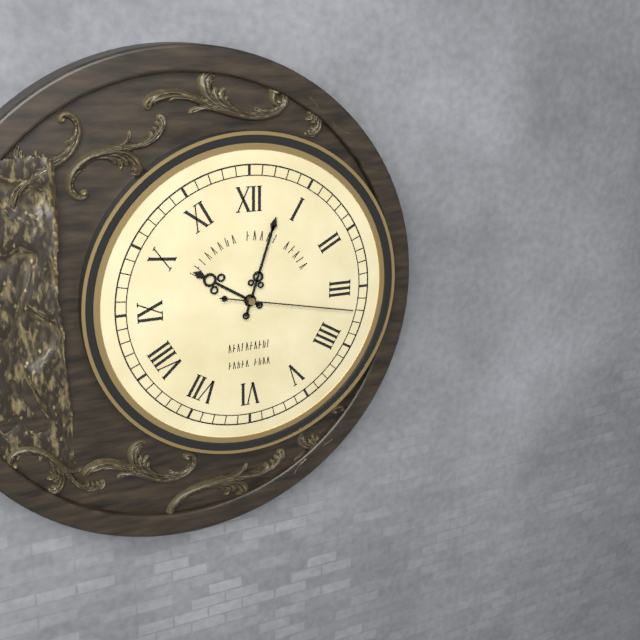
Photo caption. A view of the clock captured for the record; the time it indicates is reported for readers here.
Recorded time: 10:03:17
